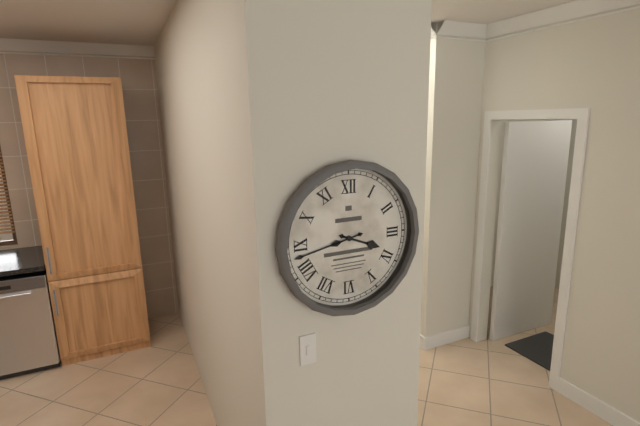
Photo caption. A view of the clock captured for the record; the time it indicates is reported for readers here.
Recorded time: 3:43
